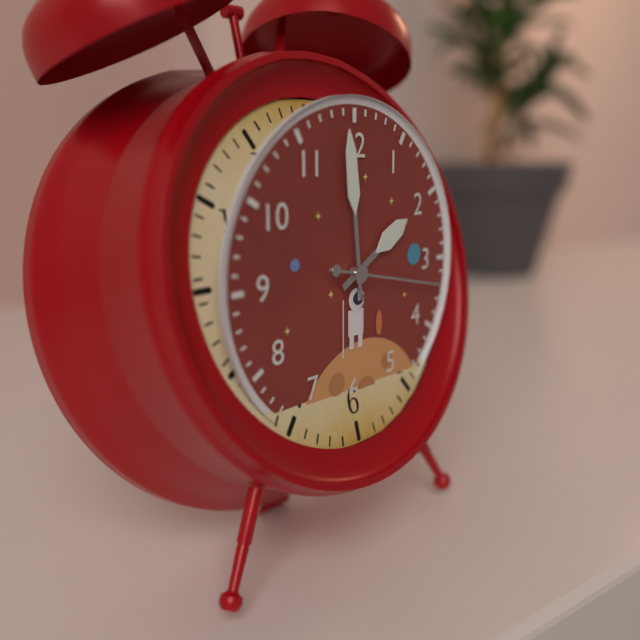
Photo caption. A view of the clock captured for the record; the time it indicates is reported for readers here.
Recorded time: 1:59:17
